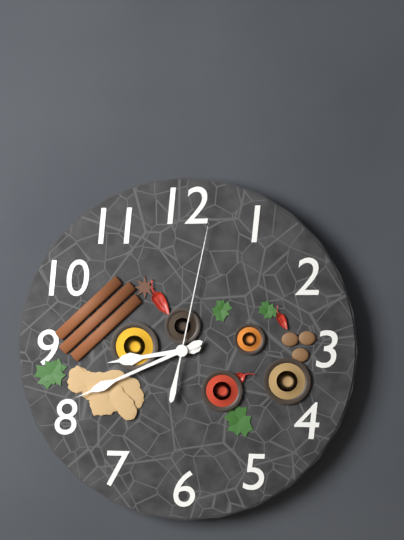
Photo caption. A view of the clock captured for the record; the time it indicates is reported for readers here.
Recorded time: 8:41:02
